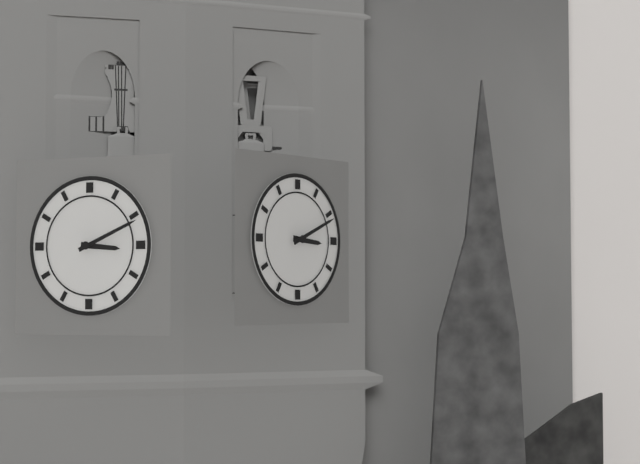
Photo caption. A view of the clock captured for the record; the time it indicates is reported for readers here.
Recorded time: 3:11
